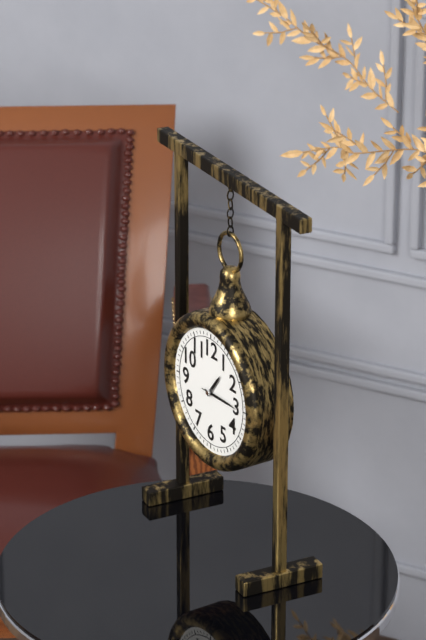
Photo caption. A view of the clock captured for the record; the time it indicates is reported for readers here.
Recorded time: 1:15
